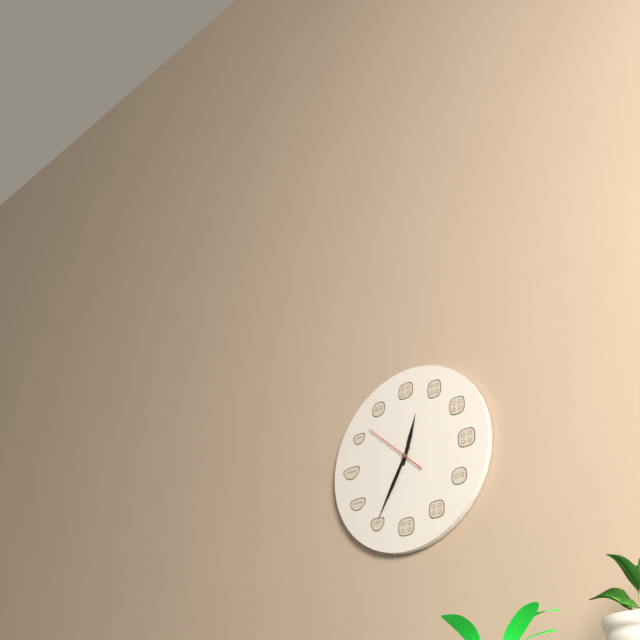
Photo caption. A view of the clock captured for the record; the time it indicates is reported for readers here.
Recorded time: 12:35:52
